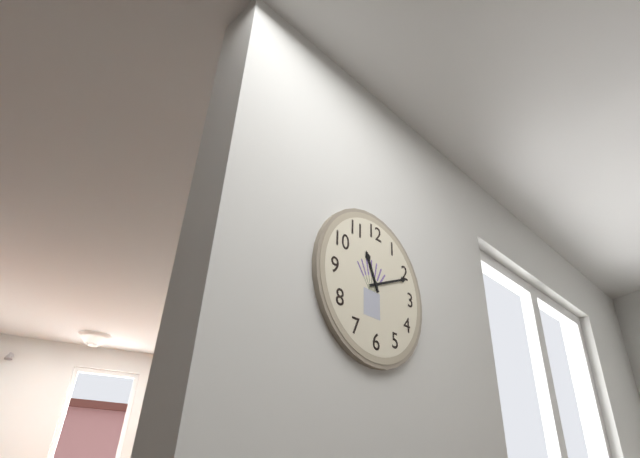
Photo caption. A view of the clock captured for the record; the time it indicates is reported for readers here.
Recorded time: 11:11
